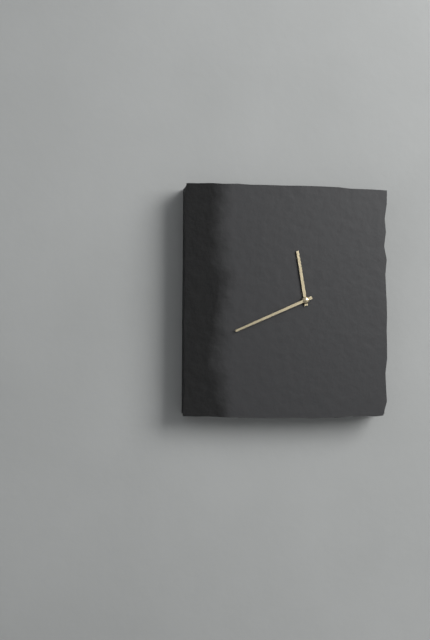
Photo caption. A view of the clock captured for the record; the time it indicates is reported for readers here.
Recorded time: 11:41
